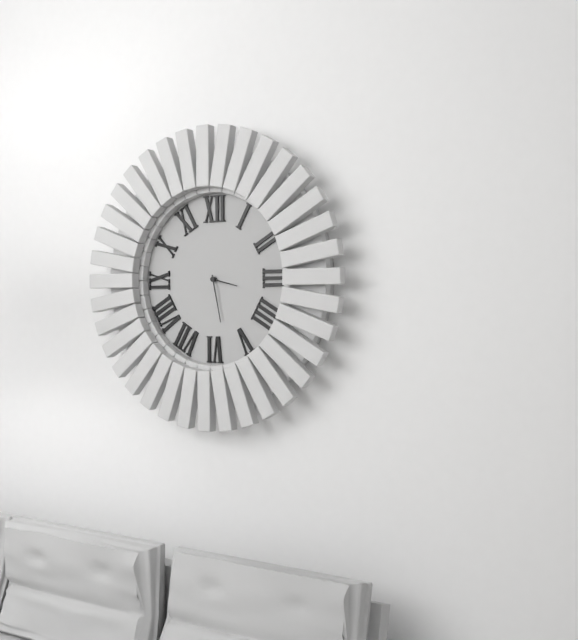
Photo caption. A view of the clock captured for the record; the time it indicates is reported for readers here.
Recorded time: 3:28
